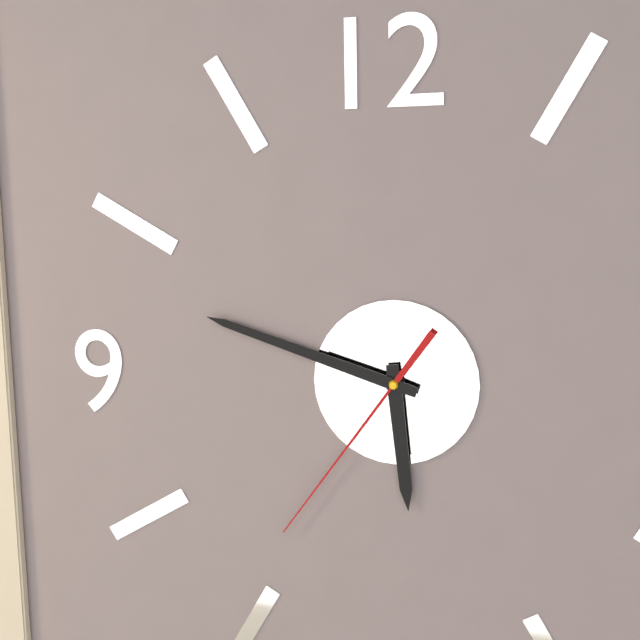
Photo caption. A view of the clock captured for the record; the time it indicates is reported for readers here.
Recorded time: 5:48:36
